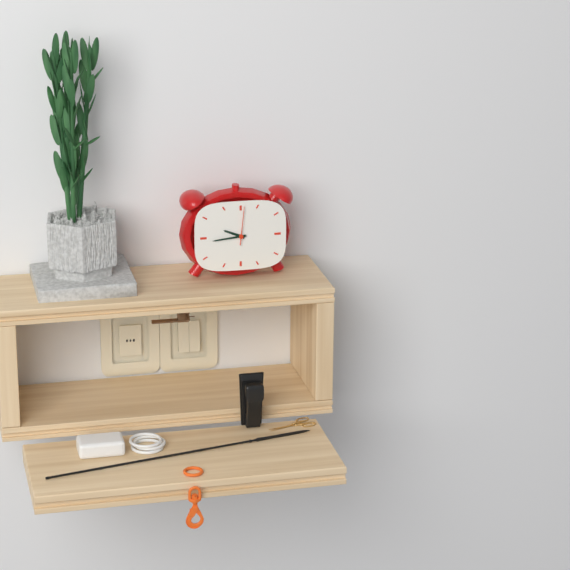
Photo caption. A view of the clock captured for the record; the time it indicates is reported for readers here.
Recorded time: 9:44
